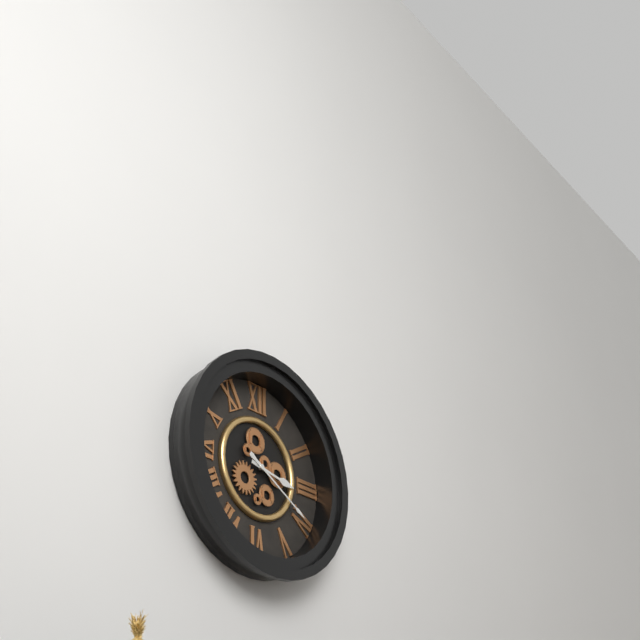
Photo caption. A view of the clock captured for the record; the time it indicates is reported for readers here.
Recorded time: 3:20
